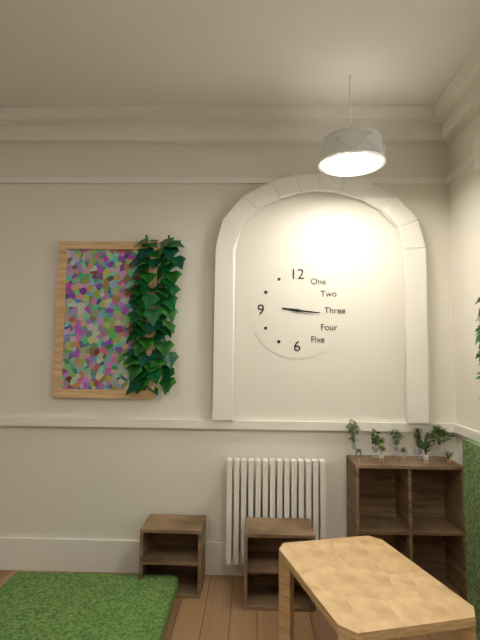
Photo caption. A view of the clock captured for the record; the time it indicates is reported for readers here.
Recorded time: 9:16
